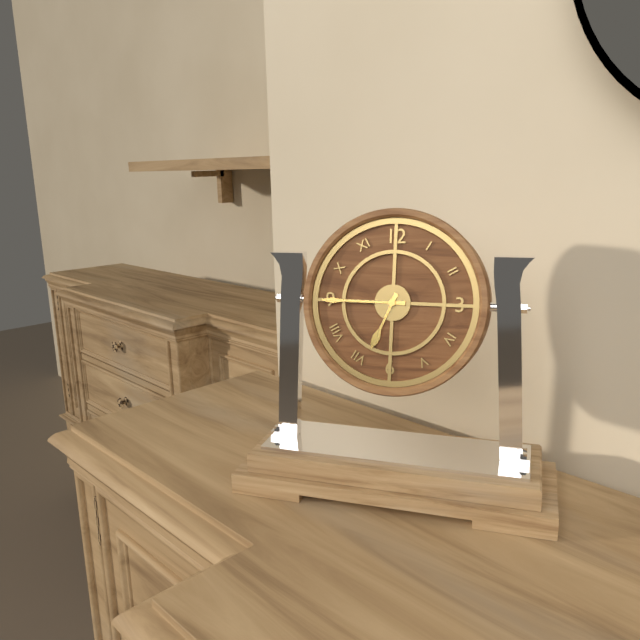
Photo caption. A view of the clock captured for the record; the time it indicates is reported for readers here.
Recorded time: 6:45
